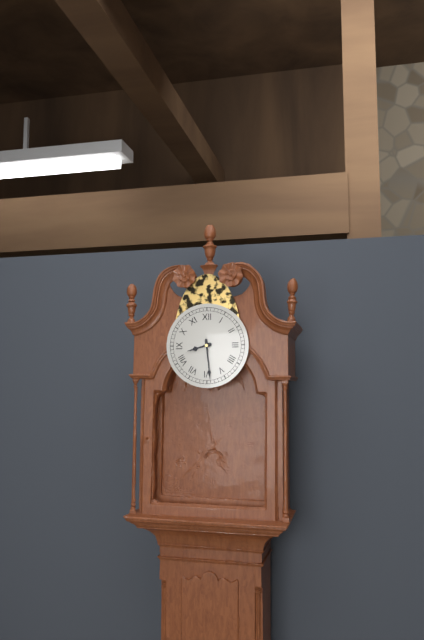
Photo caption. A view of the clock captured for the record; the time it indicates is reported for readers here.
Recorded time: 8:29
